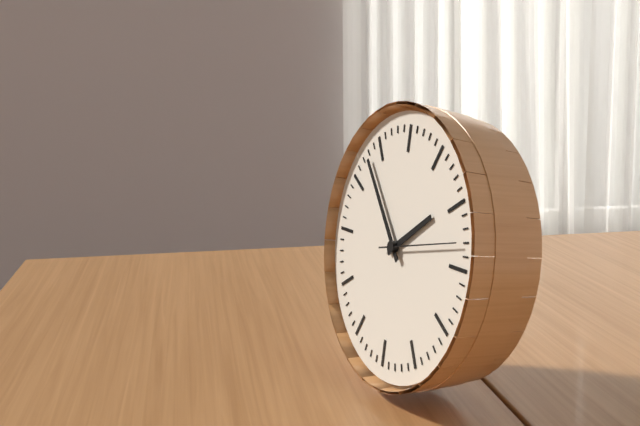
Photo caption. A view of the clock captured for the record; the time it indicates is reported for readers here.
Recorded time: 1:53:13
